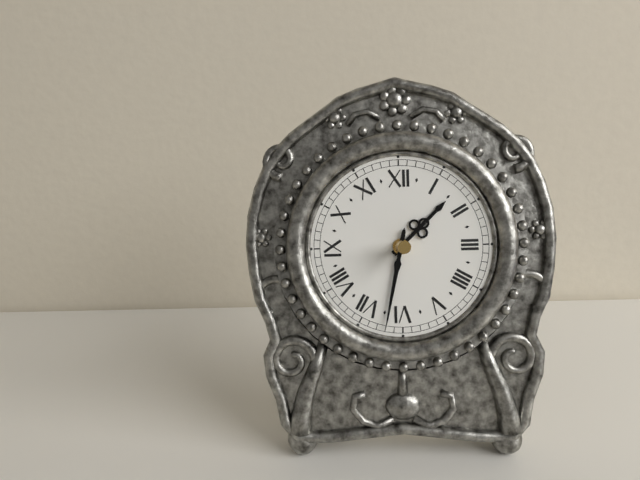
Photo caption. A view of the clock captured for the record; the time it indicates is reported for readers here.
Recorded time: 1:32
